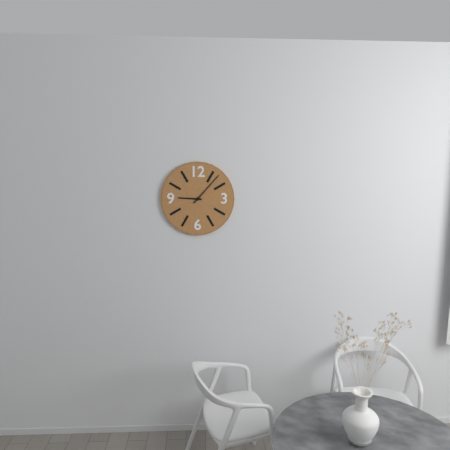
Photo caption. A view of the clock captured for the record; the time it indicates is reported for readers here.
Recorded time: 9:07
